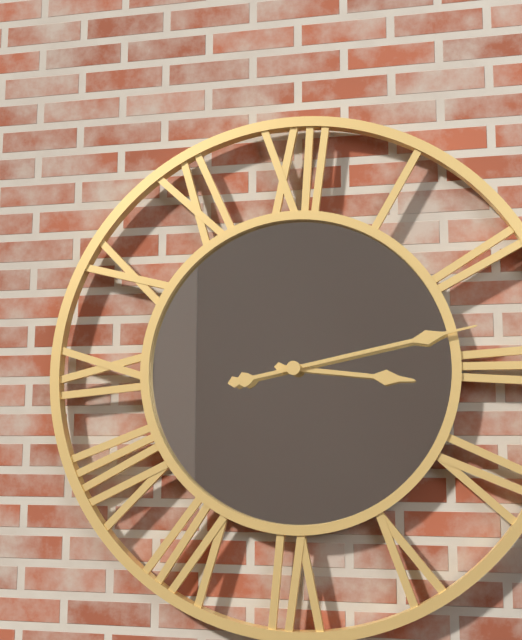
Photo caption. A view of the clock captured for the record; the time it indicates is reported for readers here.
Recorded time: 3:13
